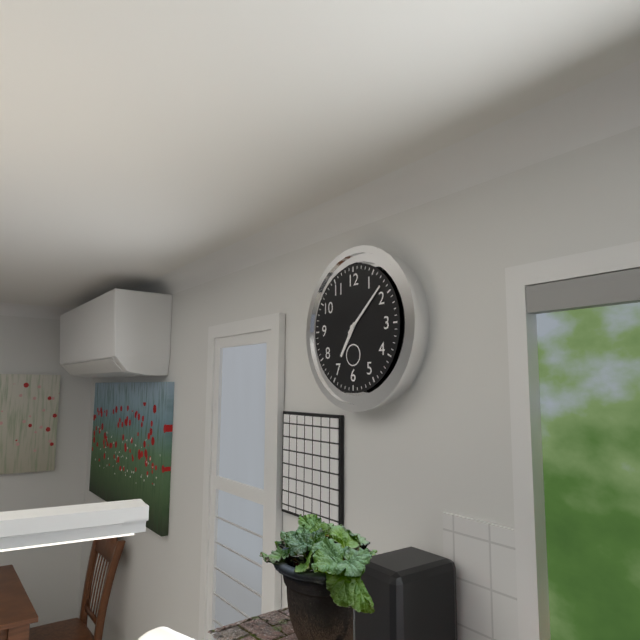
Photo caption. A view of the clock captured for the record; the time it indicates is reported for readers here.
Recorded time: 7:08
